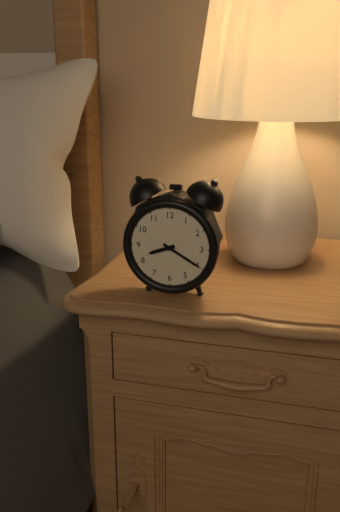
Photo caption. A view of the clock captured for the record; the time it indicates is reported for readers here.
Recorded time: 8:20
